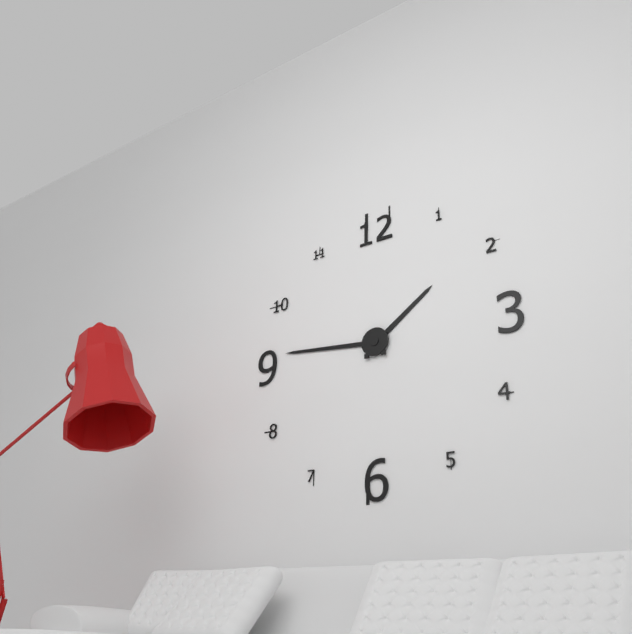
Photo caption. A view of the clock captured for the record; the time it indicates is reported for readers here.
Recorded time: 1:46
